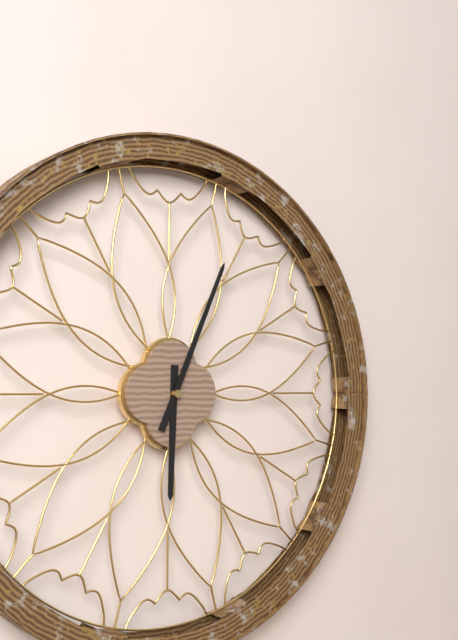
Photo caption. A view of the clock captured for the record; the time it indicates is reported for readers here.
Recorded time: 6:04
